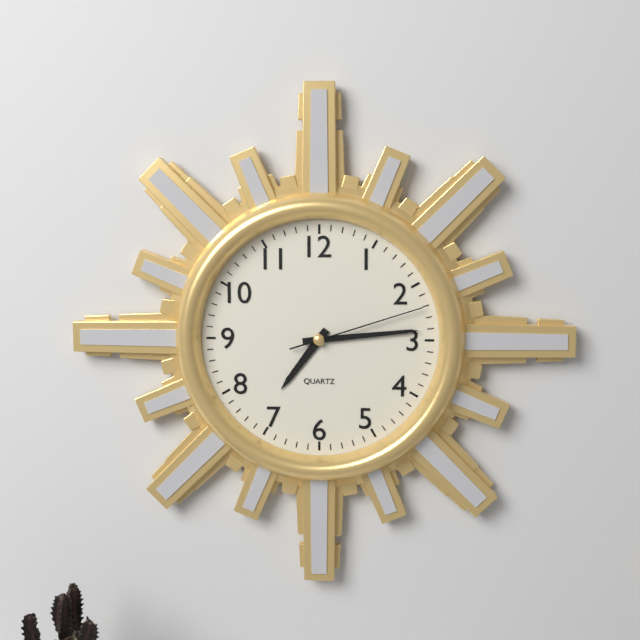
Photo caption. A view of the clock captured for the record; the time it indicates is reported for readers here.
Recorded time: 7:14:12
